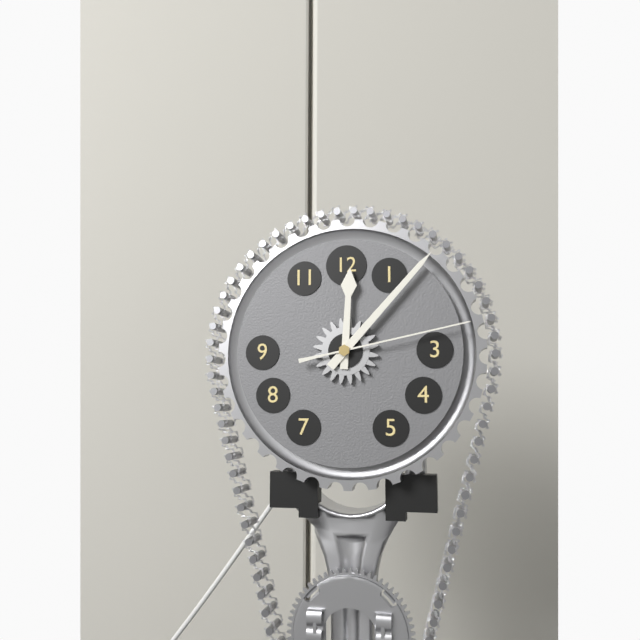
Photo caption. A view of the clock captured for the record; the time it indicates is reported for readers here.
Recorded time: 12:07:13
